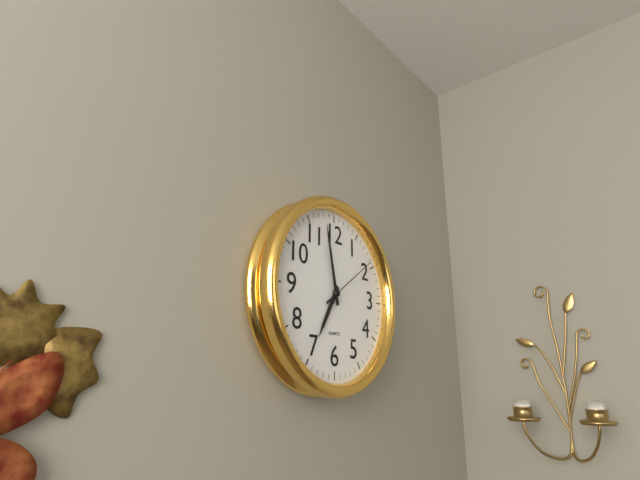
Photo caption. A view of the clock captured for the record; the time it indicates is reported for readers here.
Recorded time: 6:58:09
